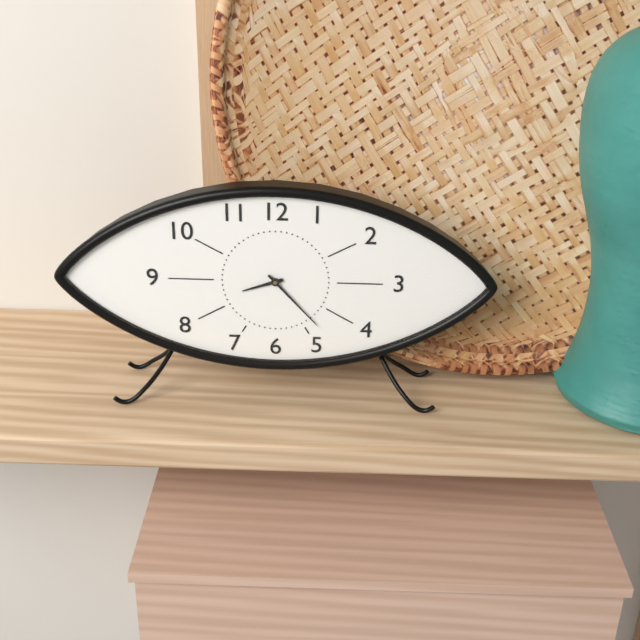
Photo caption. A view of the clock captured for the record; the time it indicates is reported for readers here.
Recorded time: 8:23
